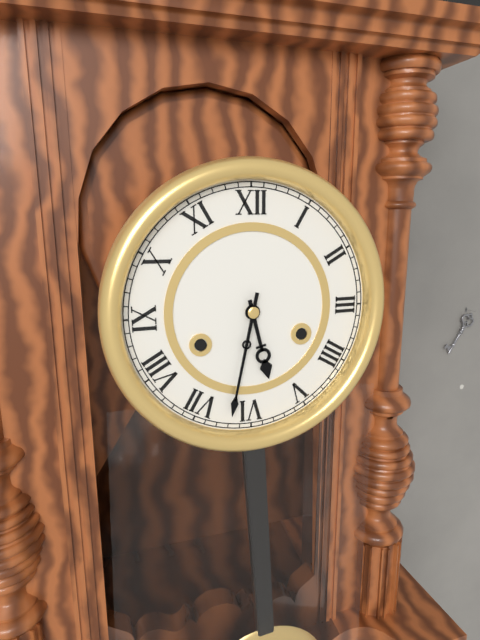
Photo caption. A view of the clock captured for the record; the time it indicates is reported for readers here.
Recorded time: 5:32
